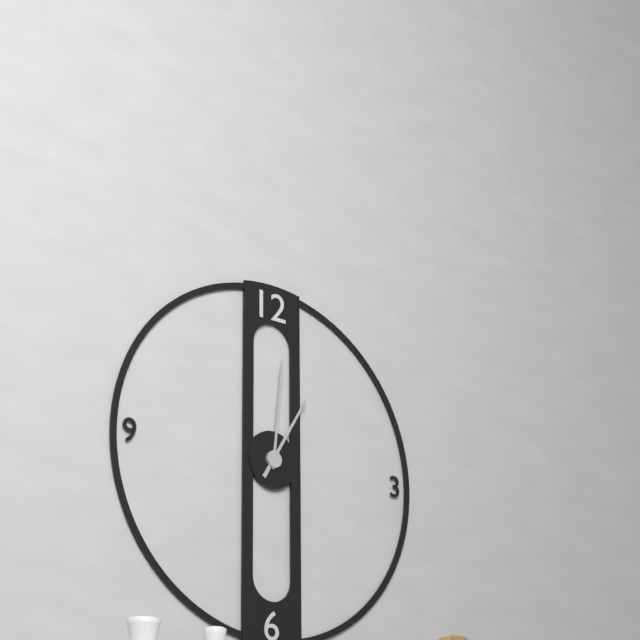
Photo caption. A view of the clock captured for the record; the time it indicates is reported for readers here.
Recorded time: 1:01
